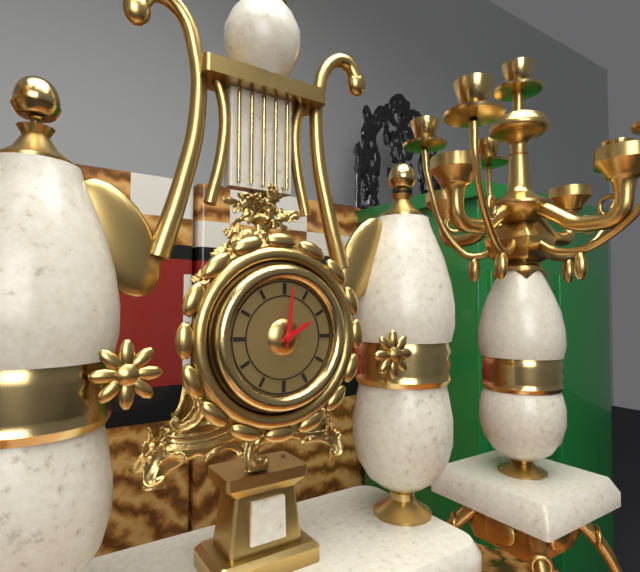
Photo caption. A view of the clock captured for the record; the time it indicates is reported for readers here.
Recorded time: 2:01
